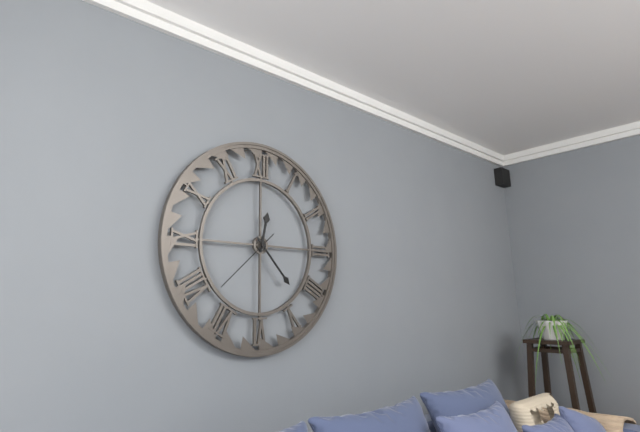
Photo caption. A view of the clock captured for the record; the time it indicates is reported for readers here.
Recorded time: 12:23:38
